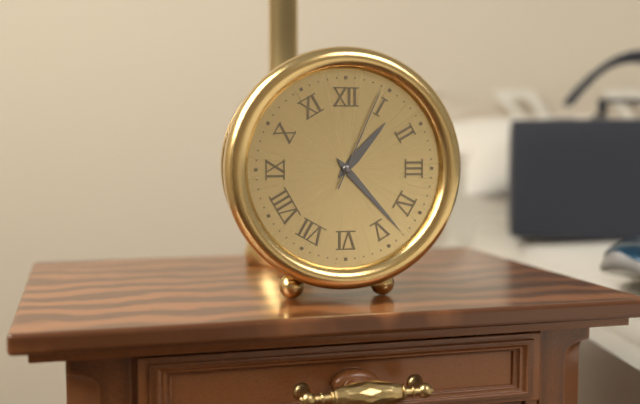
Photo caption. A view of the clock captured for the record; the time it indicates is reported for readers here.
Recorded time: 1:23:04
